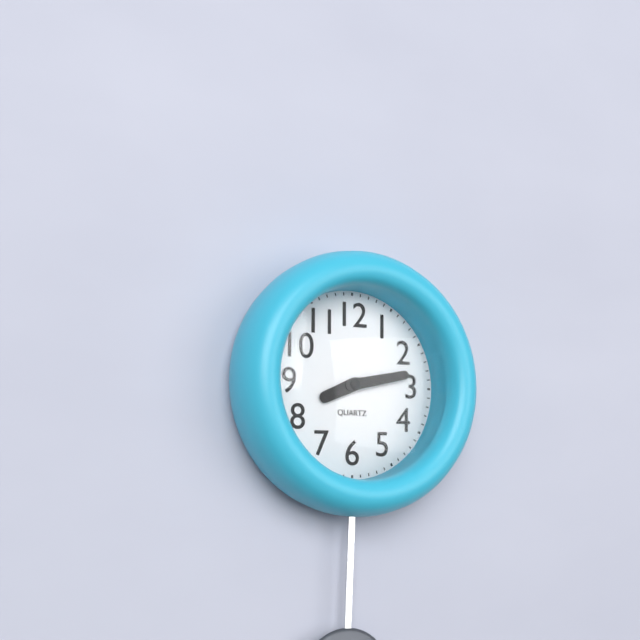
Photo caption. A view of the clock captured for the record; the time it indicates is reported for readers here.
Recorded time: 8:13
